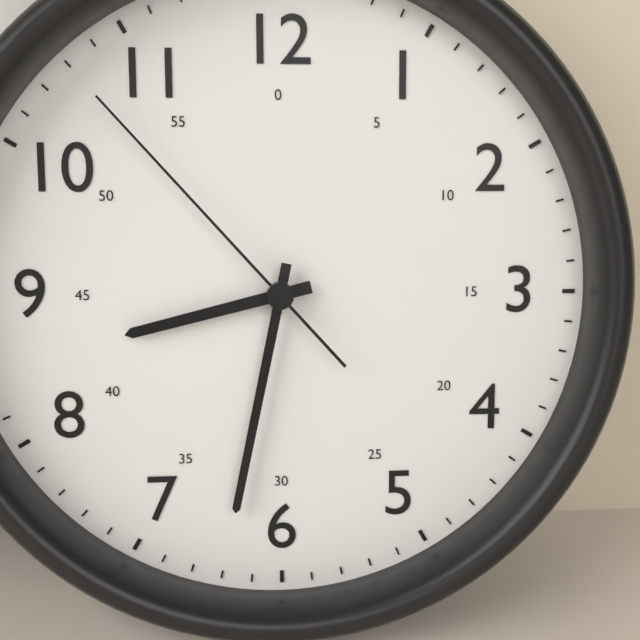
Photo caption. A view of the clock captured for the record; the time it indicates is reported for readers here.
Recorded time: 8:32:53
